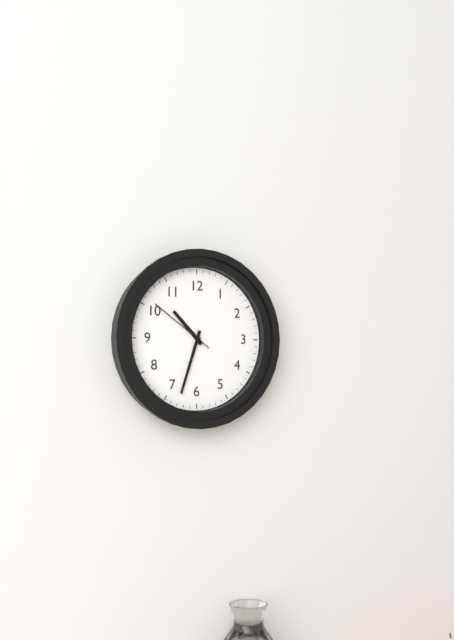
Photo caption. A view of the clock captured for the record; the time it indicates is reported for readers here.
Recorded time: 10:33:51
